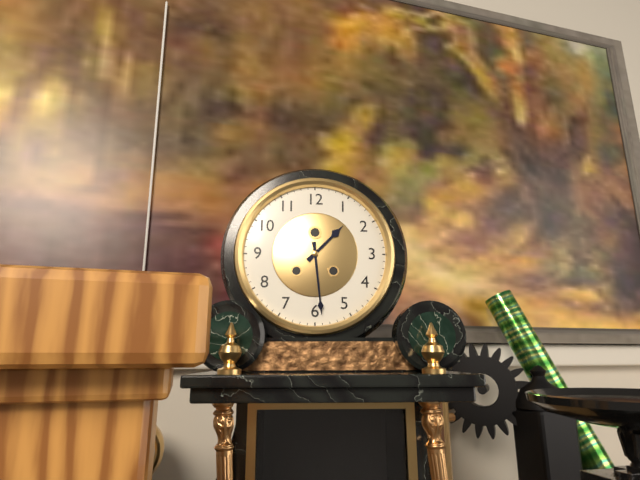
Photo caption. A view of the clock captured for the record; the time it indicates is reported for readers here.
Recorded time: 1:29
